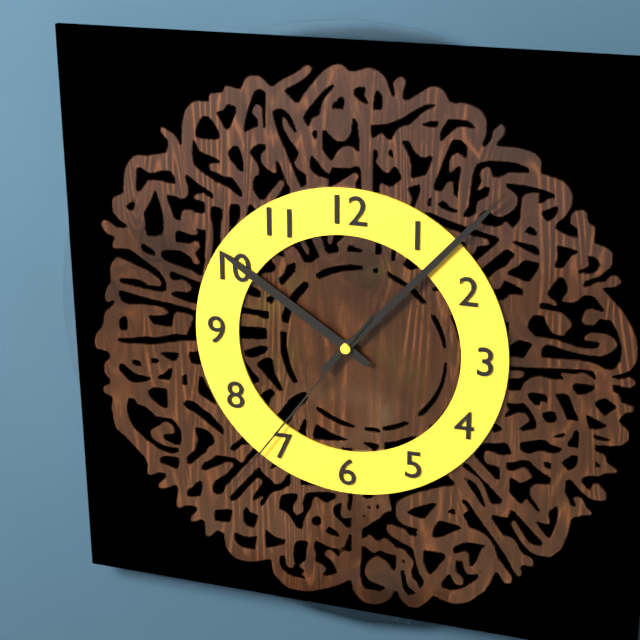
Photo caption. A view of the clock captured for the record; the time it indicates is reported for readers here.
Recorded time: 10:07:36
